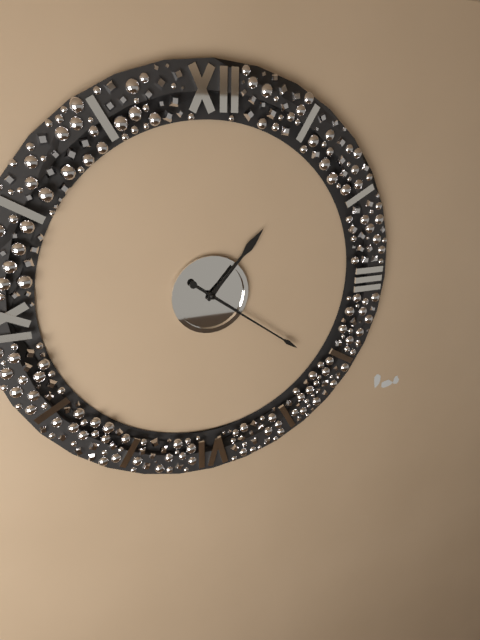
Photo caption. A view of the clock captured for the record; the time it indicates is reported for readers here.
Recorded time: 1:21
